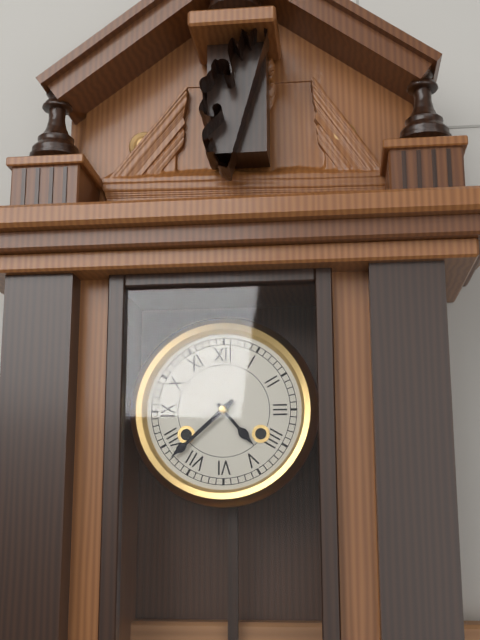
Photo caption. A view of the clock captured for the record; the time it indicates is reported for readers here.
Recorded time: 4:38
